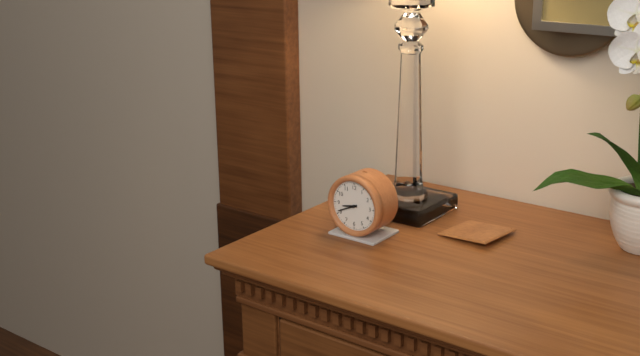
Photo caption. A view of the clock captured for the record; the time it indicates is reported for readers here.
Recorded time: 8:41
